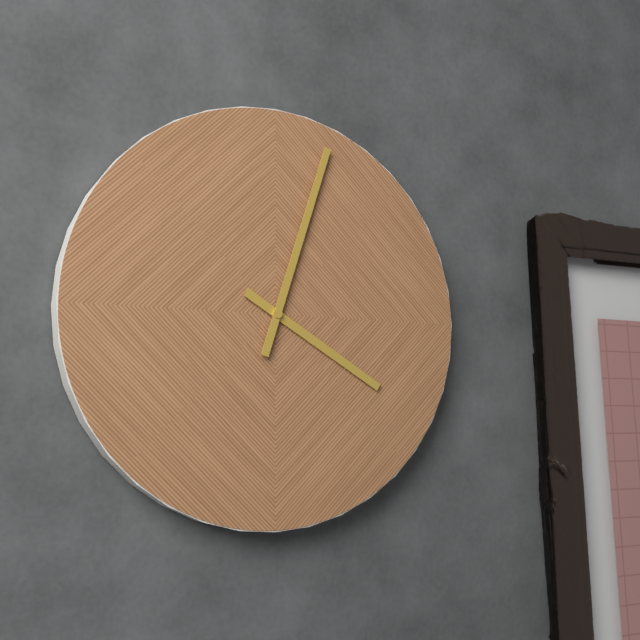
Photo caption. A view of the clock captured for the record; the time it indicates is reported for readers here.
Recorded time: 4:03
